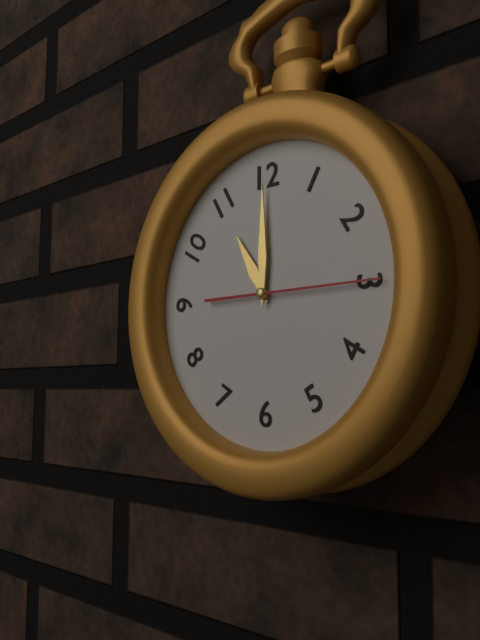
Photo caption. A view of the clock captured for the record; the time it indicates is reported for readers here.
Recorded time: 11:00:15
